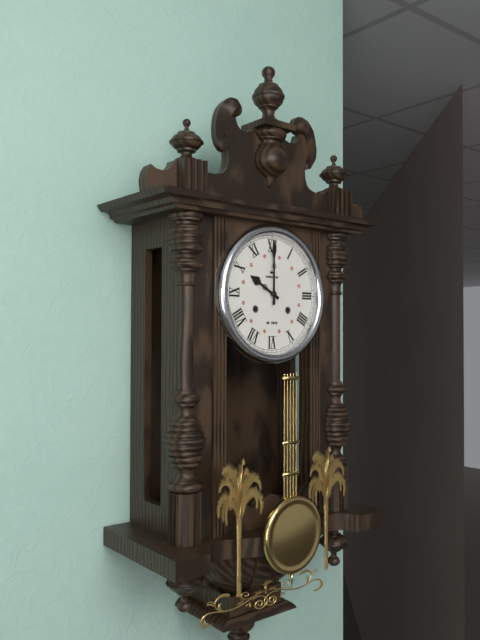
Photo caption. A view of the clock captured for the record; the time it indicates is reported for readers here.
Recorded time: 10:00
